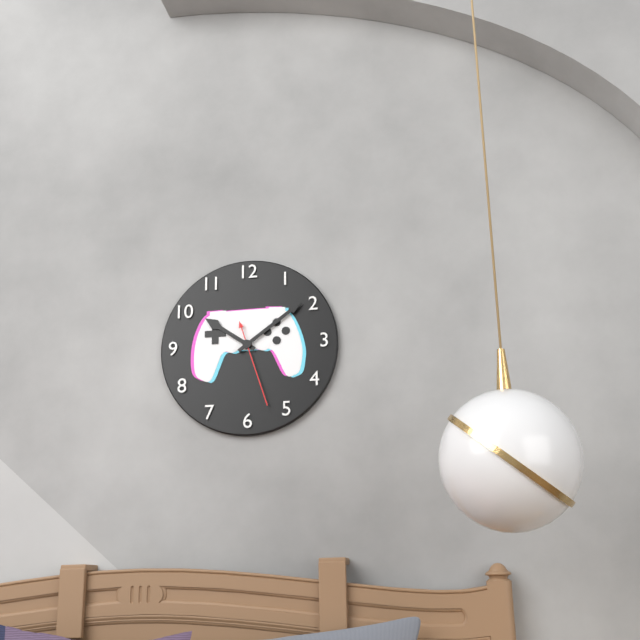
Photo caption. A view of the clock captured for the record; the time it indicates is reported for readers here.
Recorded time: 10:09:27
